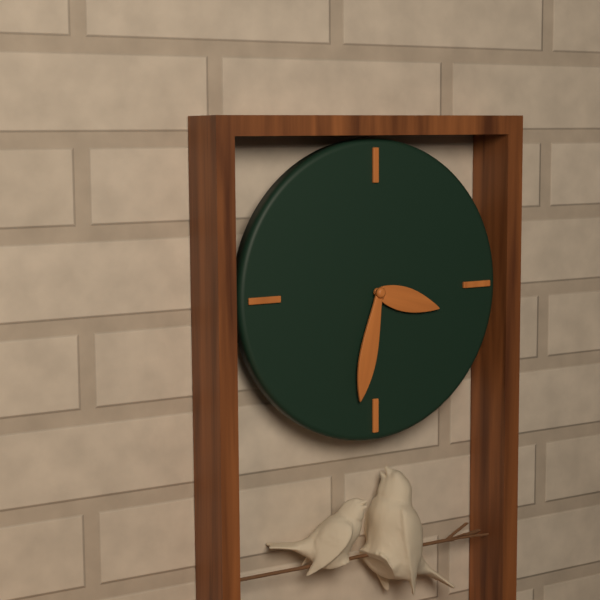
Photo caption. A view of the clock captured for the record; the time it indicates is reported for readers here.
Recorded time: 3:32
